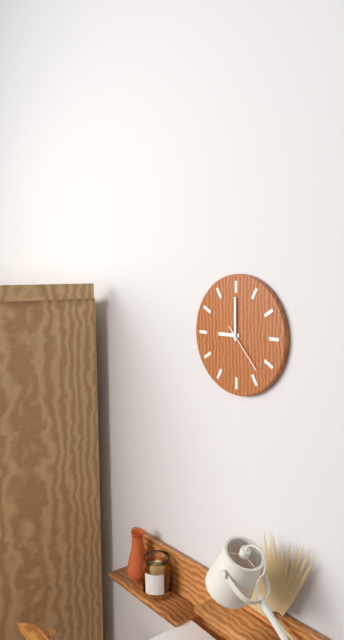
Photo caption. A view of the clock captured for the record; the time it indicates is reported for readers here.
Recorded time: 9:00:23
